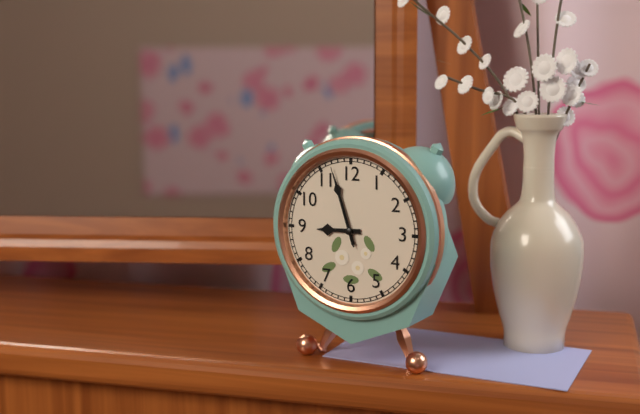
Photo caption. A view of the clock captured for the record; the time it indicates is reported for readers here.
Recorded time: 8:57:57
